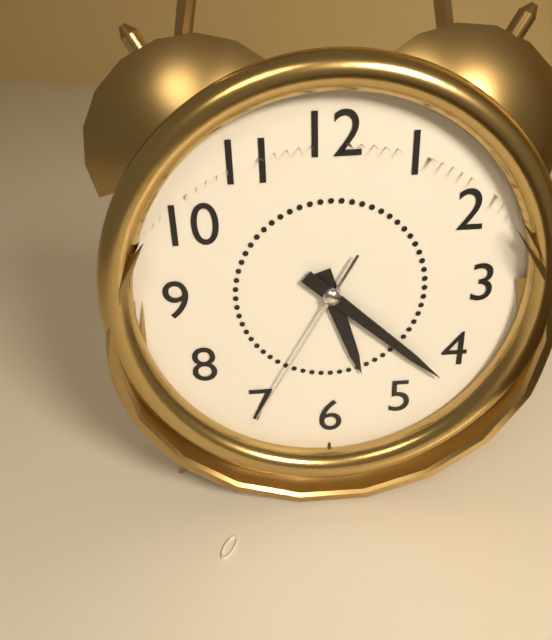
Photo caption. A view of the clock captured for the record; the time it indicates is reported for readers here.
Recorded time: 5:22:35
